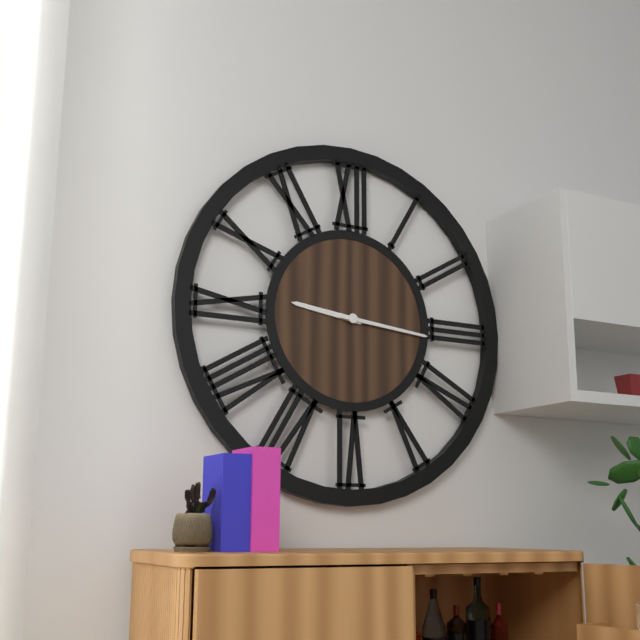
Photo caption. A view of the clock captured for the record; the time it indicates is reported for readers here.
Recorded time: 9:16
